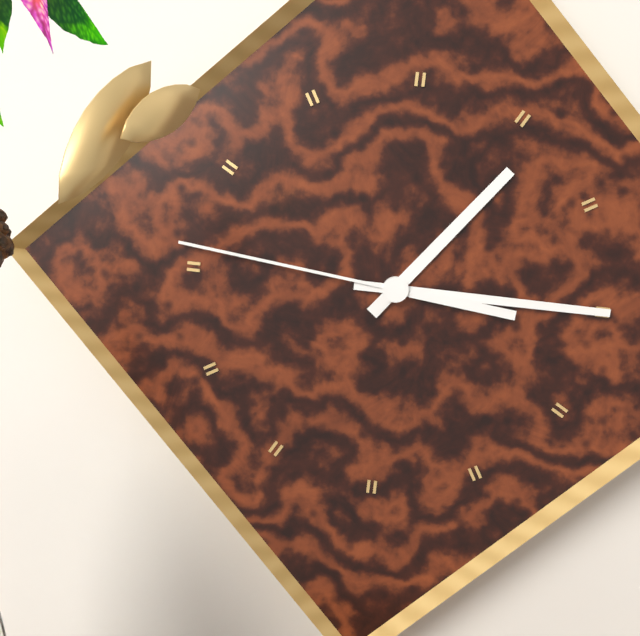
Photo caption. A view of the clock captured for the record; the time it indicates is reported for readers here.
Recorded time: 1:15:46
